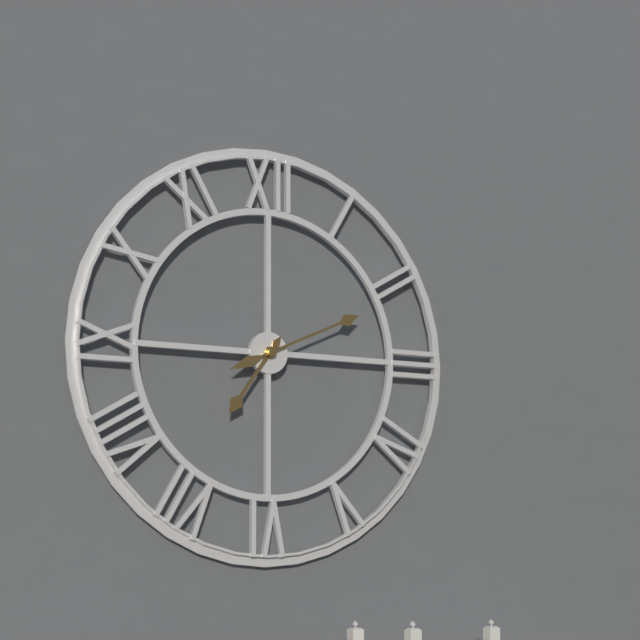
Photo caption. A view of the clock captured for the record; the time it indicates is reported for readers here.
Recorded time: 7:11
